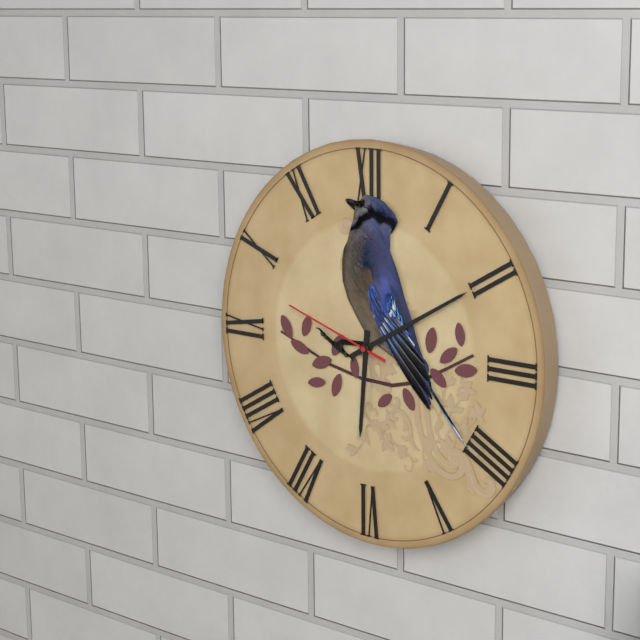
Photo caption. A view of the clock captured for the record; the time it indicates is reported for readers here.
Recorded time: 6:10:48
